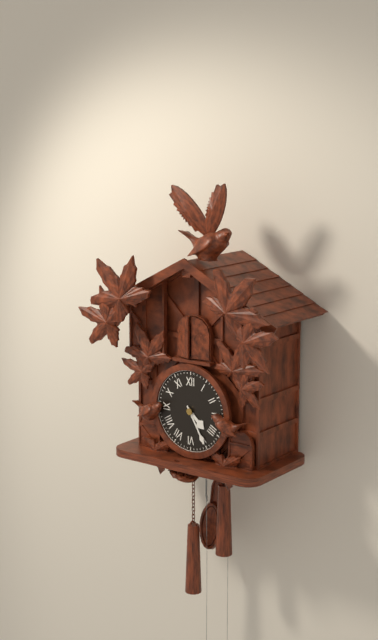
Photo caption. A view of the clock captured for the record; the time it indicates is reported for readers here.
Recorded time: 4:25
